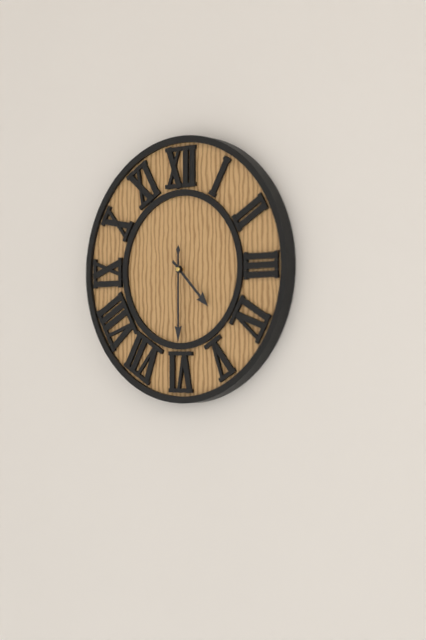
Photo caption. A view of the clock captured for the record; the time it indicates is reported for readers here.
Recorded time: 4:30
